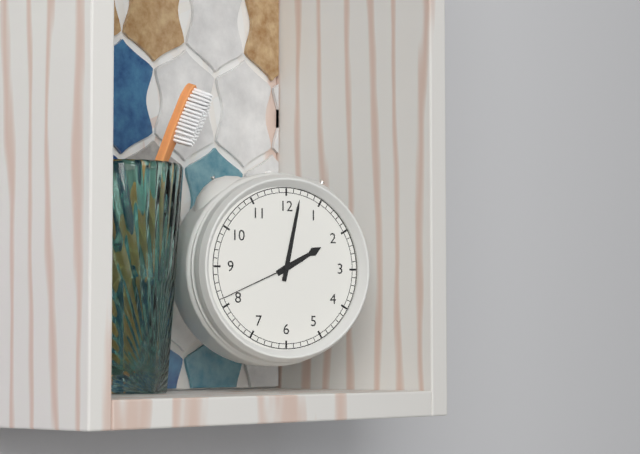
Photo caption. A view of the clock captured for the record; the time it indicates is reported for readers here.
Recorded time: 2:02:41
